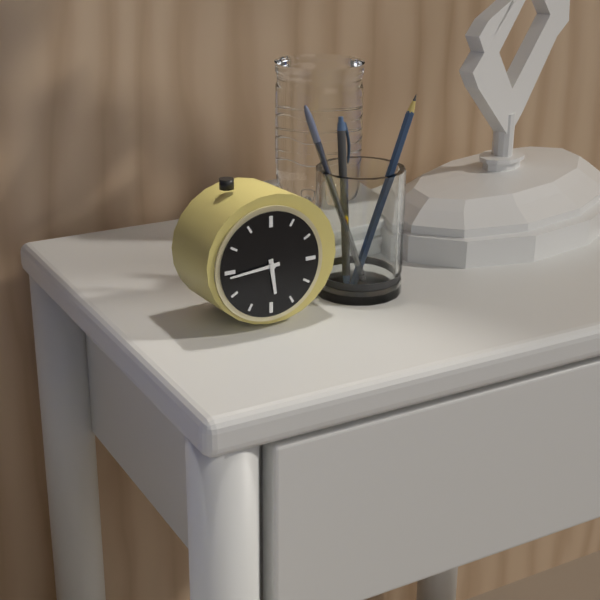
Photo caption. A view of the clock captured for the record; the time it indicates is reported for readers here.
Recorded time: 5:44
